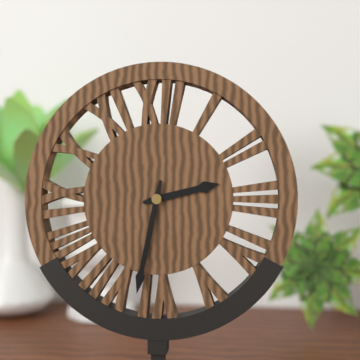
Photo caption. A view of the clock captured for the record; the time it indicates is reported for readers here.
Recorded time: 2:32
